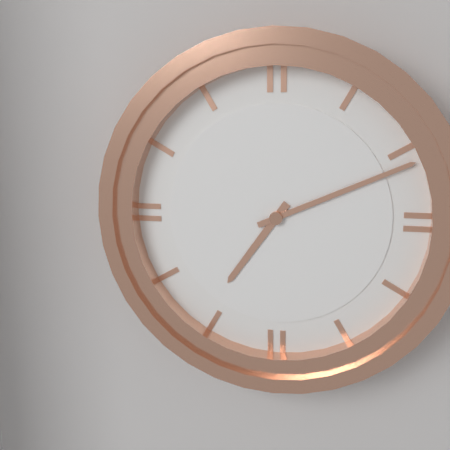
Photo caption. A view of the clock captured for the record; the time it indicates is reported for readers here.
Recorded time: 7:11
